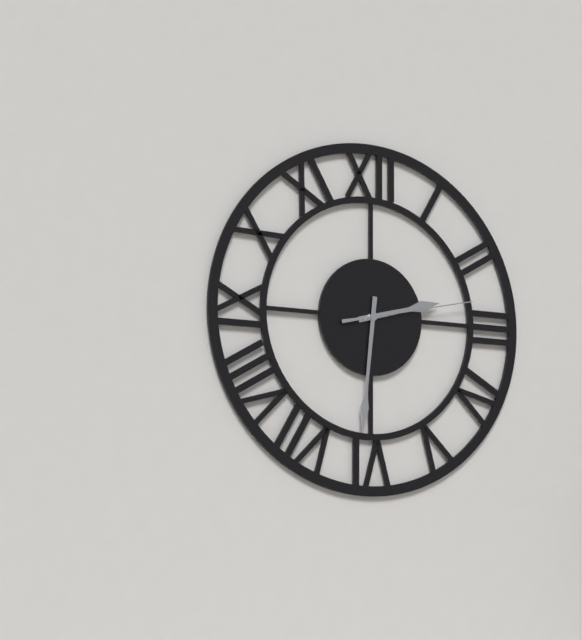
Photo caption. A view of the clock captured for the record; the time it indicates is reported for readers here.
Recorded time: 2:31:13
